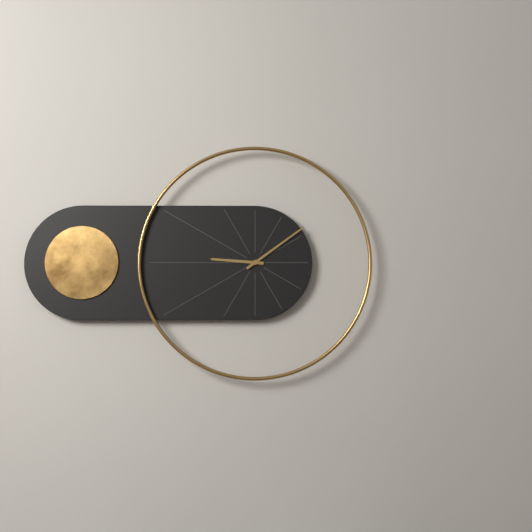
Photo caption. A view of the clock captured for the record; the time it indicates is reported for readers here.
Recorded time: 9:09
